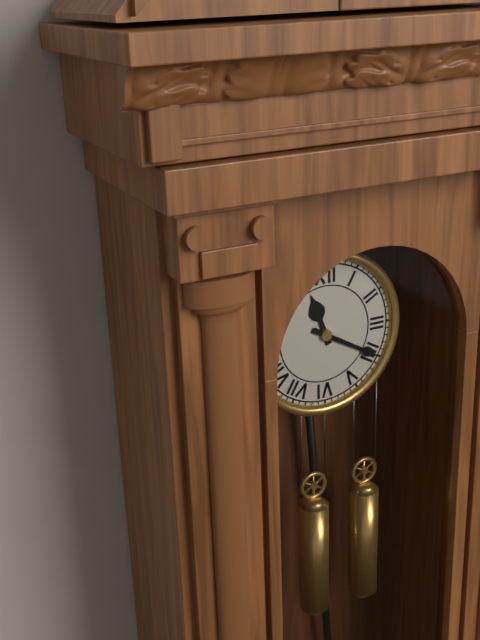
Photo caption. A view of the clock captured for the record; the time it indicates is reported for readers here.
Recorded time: 11:20
